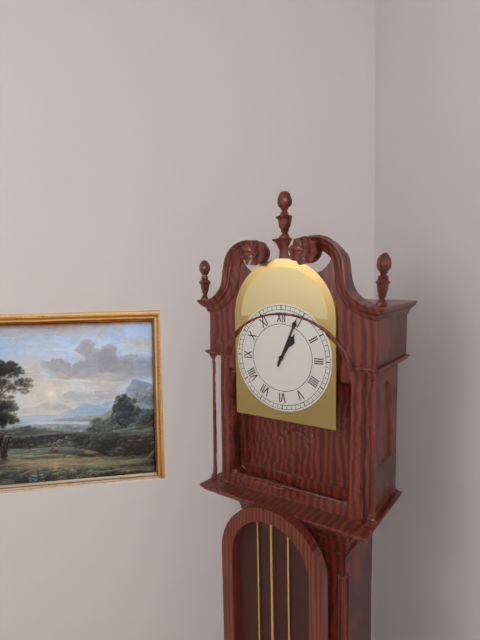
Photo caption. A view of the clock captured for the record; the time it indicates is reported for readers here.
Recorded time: 1:04
